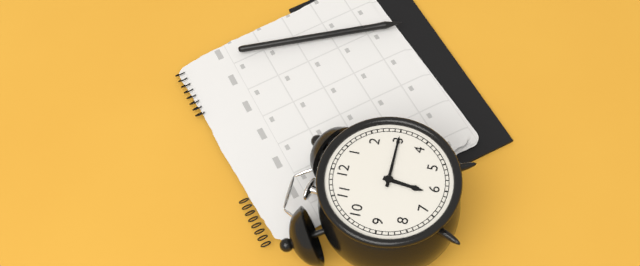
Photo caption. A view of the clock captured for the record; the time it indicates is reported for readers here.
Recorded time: 6:15
